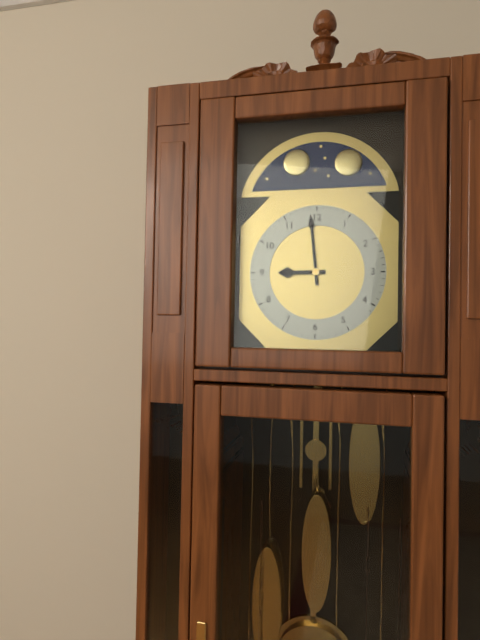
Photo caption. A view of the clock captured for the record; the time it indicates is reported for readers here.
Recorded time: 8:59
